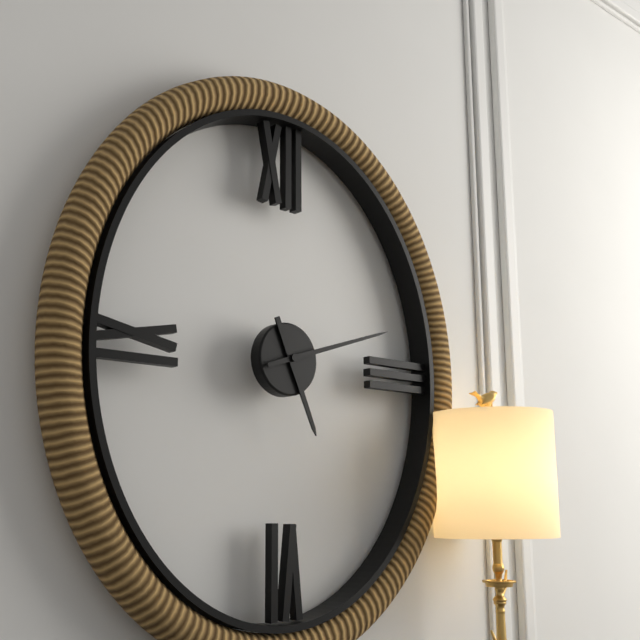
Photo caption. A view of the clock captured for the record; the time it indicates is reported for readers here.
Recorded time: 5:12
